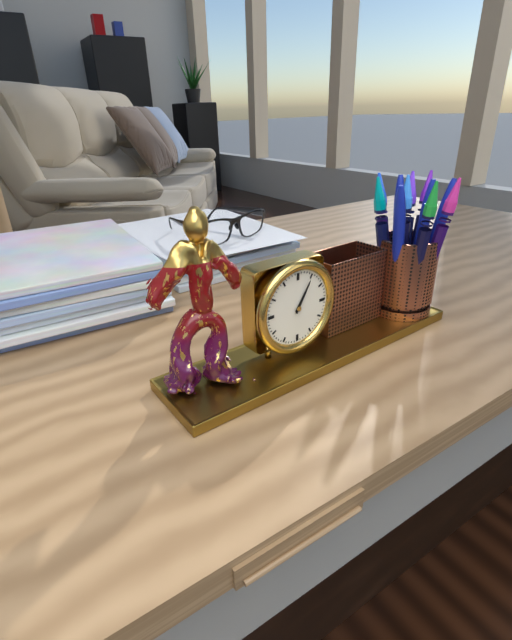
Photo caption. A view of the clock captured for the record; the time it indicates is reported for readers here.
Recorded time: 1:05
